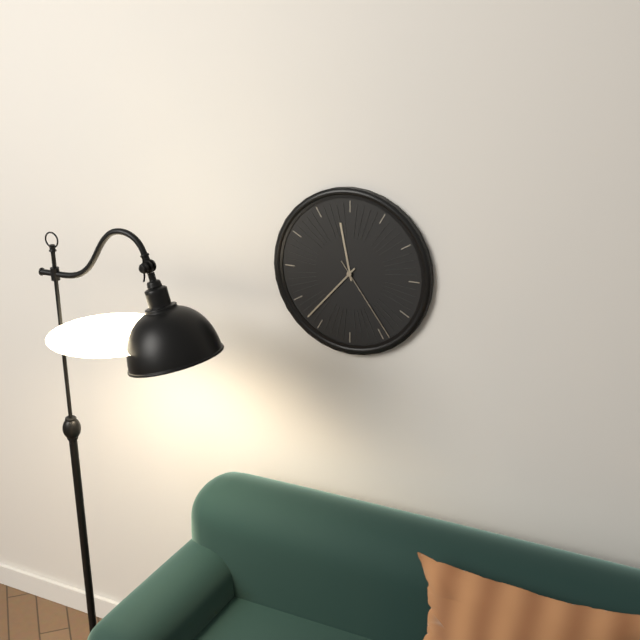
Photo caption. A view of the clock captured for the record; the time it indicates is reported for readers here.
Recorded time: 11:37:24
